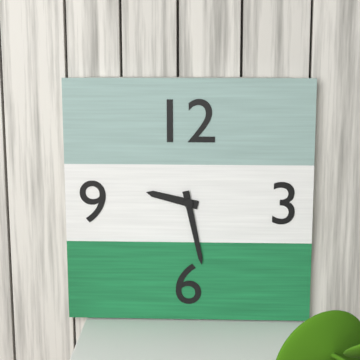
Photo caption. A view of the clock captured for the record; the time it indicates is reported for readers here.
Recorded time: 9:28
